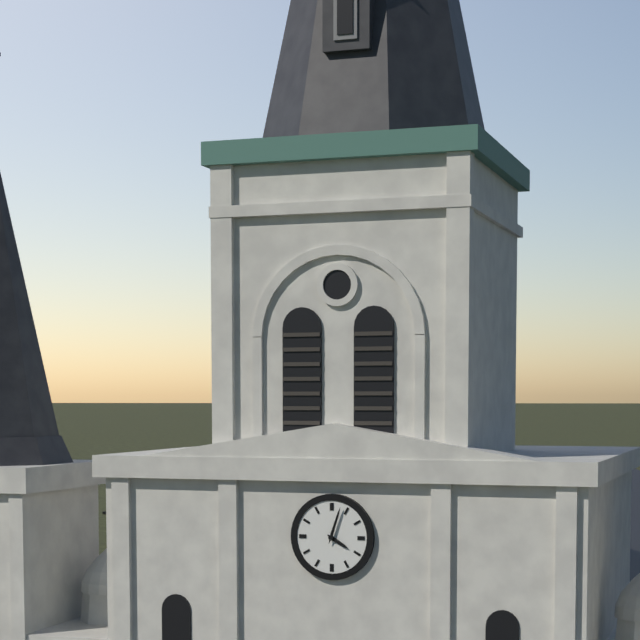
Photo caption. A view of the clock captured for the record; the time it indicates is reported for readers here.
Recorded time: 4:03
